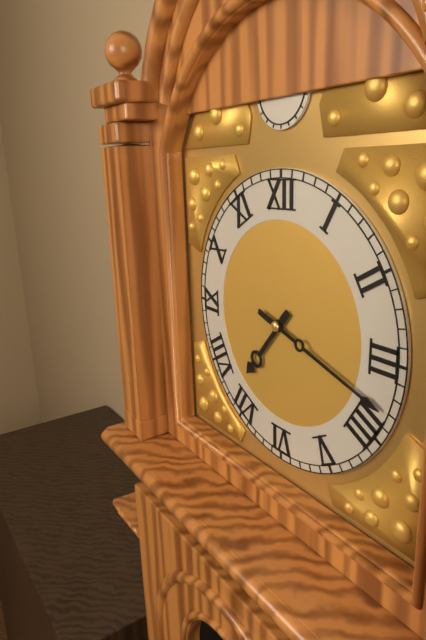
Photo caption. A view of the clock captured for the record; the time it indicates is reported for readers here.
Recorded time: 7:18
